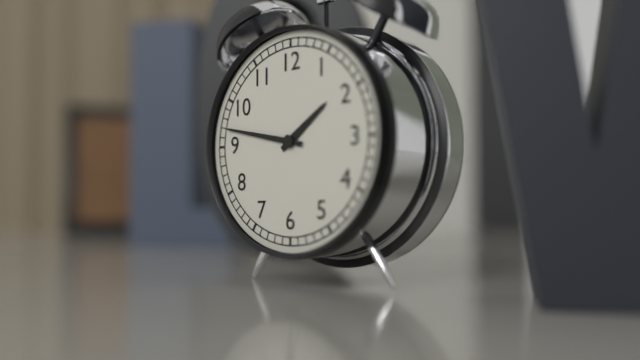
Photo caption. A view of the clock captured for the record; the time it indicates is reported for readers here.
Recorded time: 1:47
